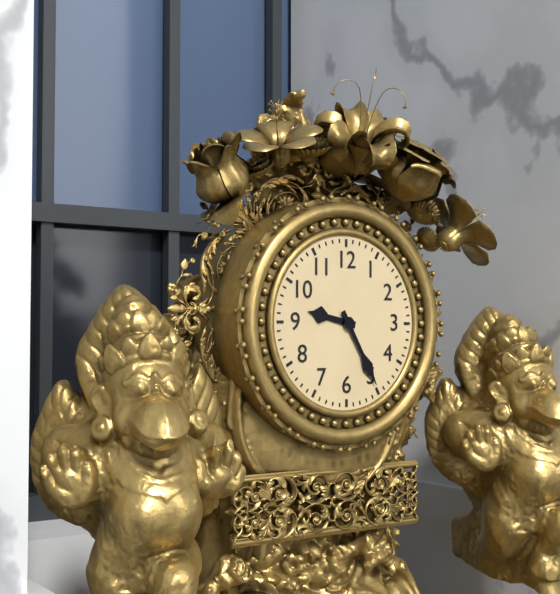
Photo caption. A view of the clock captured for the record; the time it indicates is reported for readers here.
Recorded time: 9:25
